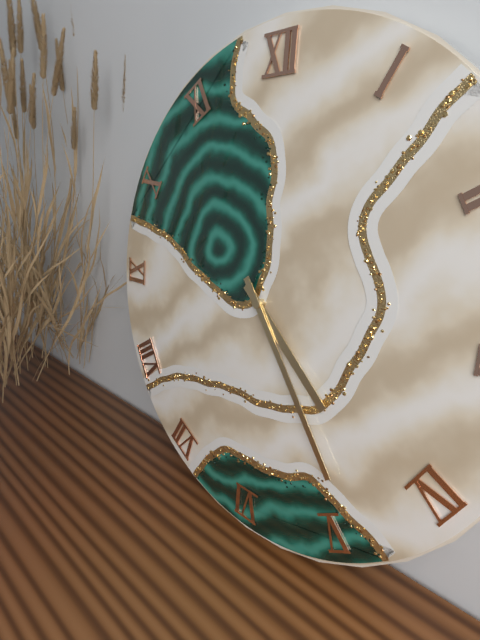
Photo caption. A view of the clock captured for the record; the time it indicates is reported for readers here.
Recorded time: 4:24
